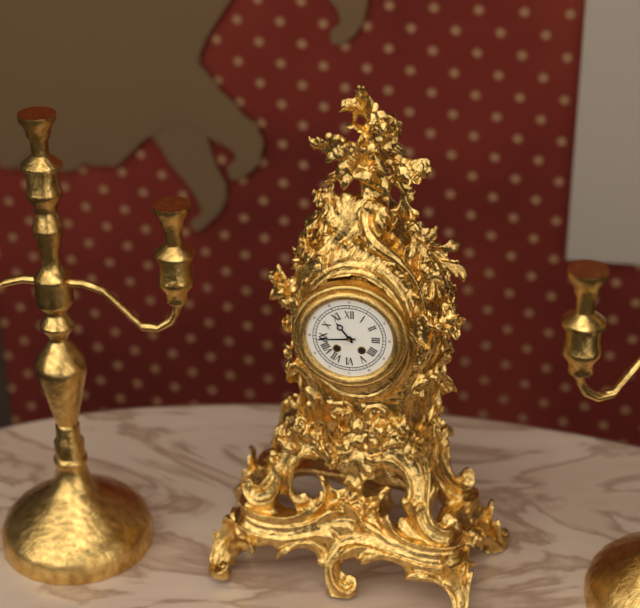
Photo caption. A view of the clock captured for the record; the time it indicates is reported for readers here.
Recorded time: 10:44
